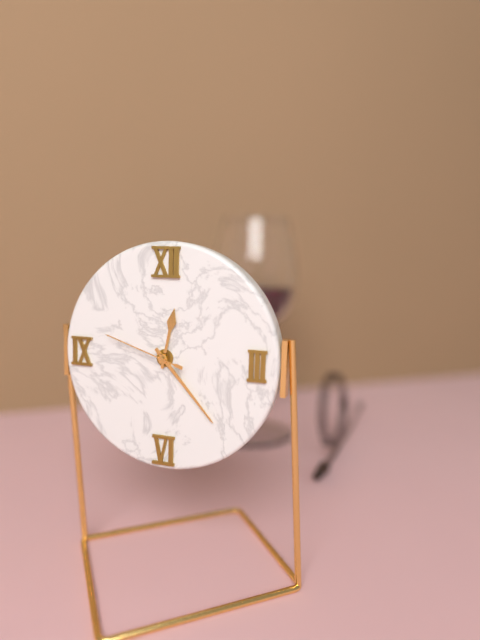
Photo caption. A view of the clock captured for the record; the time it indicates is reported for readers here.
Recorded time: 12:23:48
